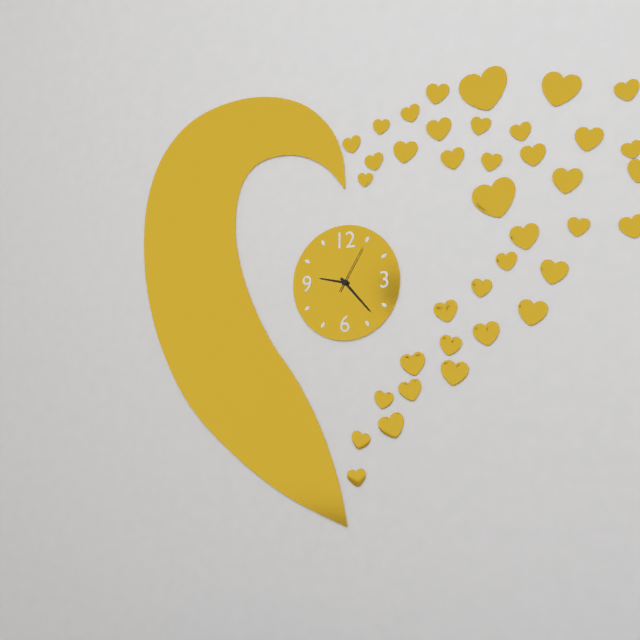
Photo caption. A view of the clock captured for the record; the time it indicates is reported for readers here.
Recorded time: 9:23:05
